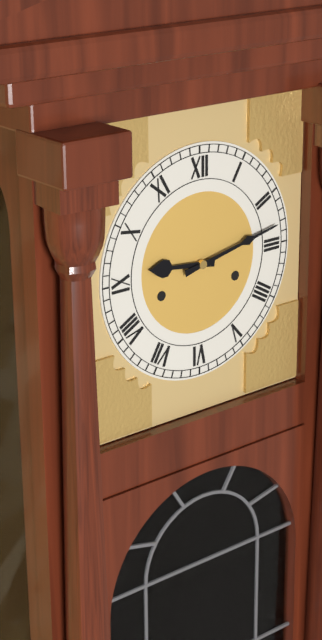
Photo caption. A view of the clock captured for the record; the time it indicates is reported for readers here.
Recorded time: 9:13
